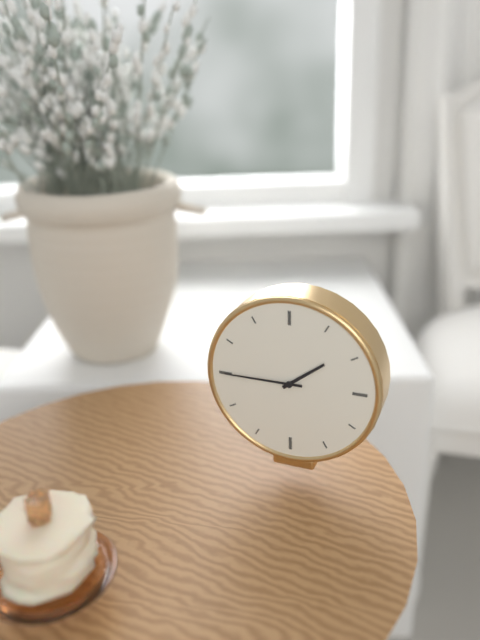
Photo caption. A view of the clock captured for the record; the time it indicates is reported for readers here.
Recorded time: 1:45
